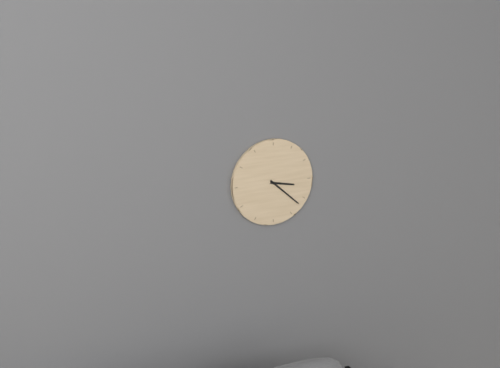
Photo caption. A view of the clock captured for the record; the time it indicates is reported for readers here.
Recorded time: 3:22
